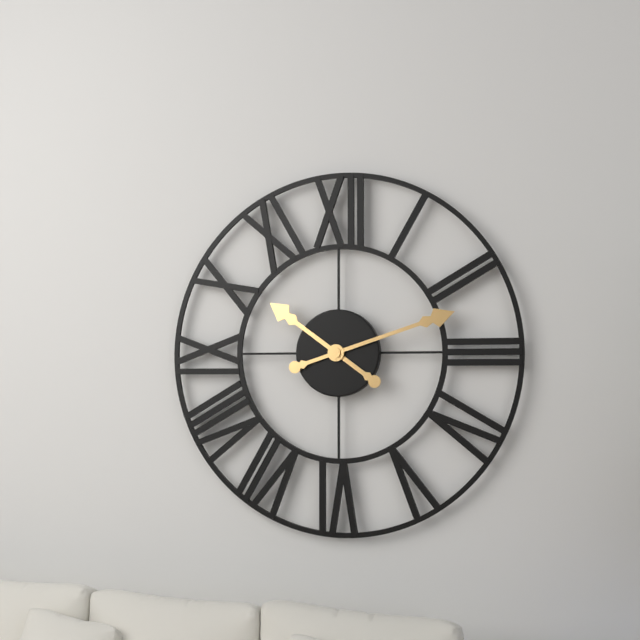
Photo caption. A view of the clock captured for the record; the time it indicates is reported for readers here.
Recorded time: 10:12
